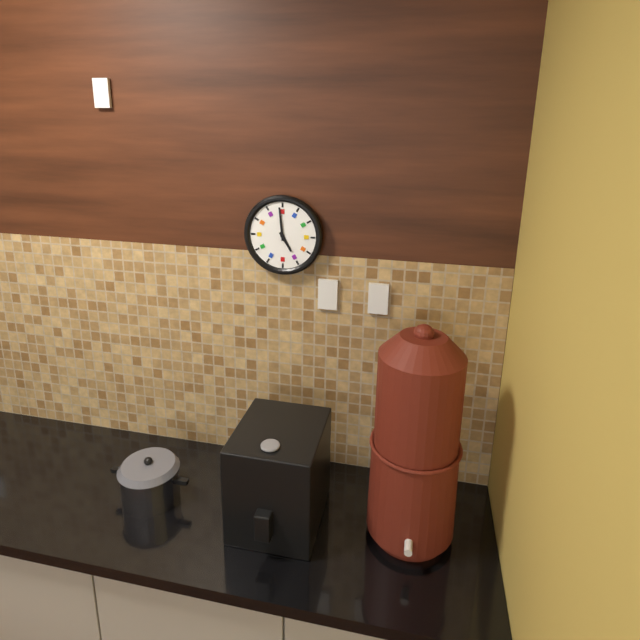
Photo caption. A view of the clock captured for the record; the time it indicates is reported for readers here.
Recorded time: 4:59
